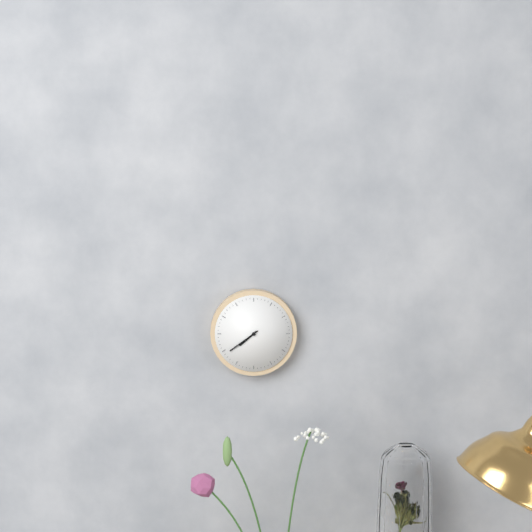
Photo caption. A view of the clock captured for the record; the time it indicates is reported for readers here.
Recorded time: 7:39
